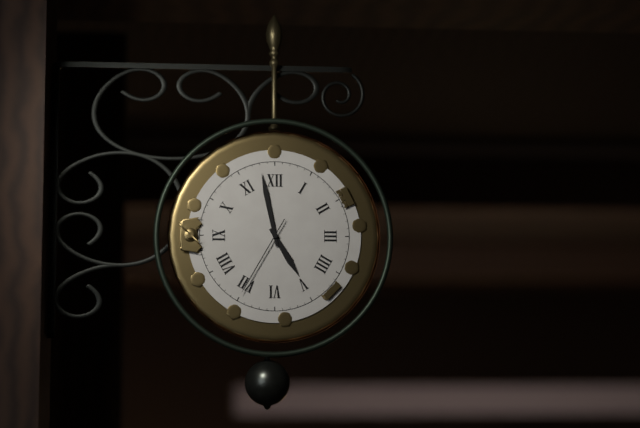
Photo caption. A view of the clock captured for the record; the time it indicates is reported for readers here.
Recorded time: 4:58:35
